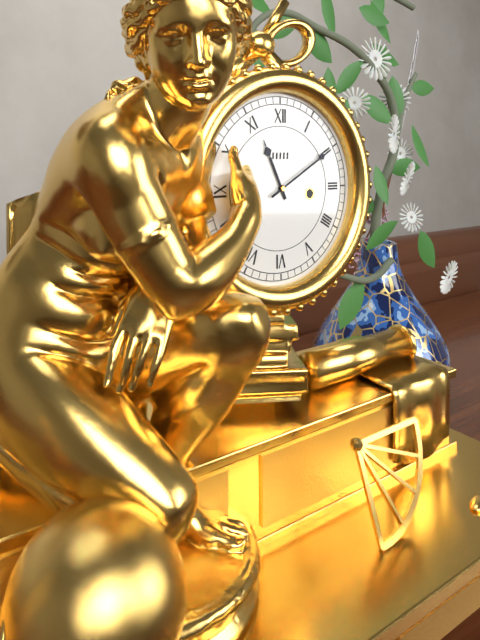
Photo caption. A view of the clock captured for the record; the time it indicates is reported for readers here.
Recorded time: 11:10
